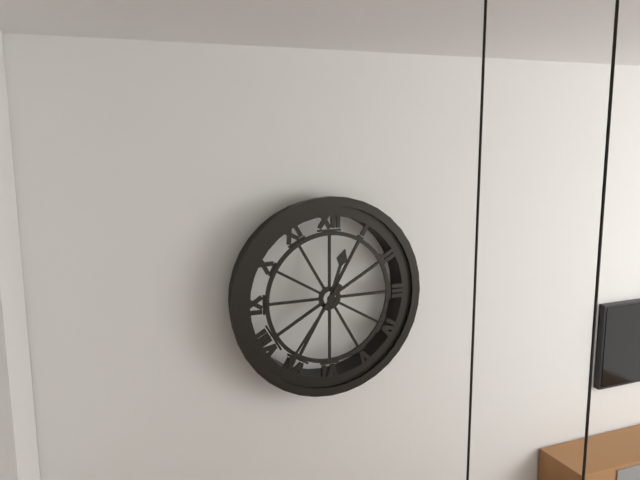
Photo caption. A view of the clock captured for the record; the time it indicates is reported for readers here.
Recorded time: 12:36
